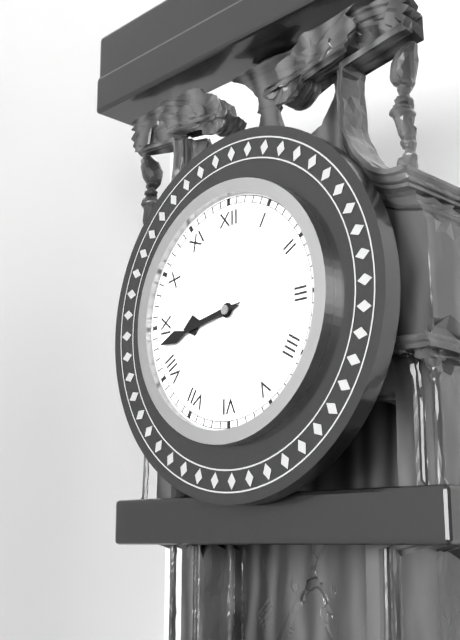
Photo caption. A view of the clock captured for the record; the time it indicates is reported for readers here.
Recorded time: 8:43
